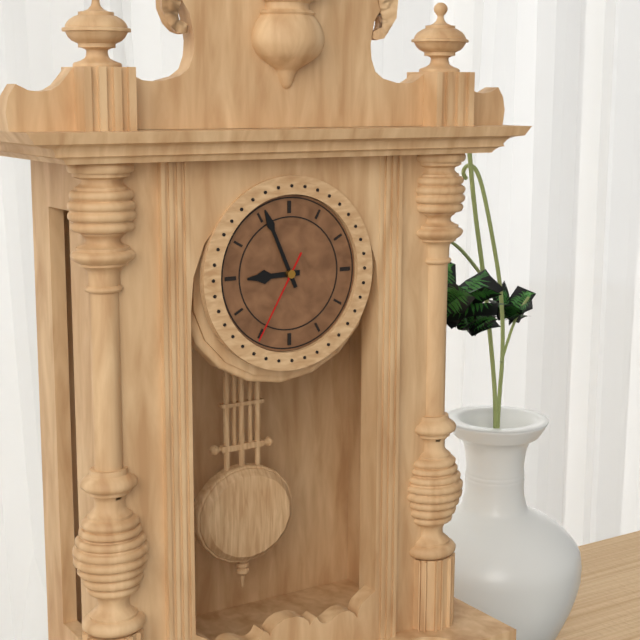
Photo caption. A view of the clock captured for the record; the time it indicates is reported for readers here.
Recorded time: 8:56:35
